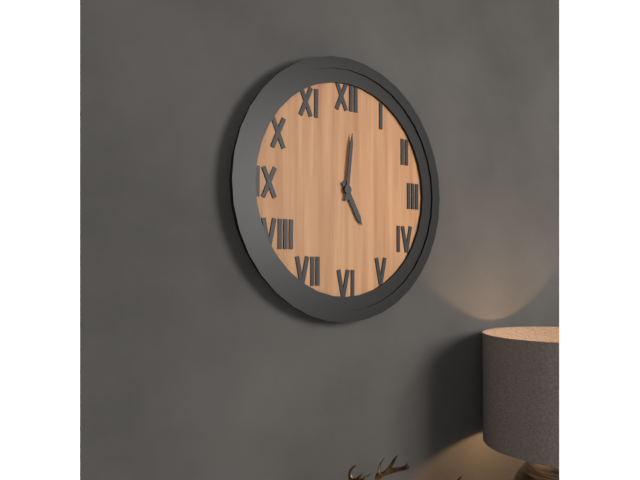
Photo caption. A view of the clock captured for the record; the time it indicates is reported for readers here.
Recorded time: 5:01
